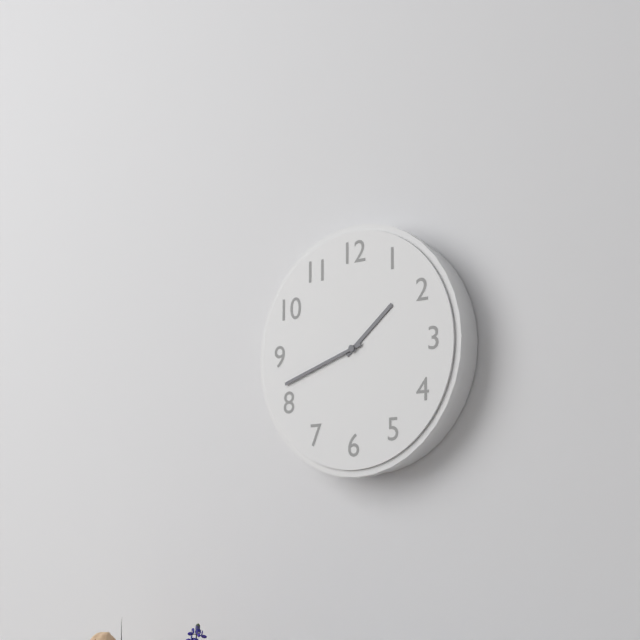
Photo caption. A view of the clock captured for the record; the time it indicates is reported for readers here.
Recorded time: 1:42
